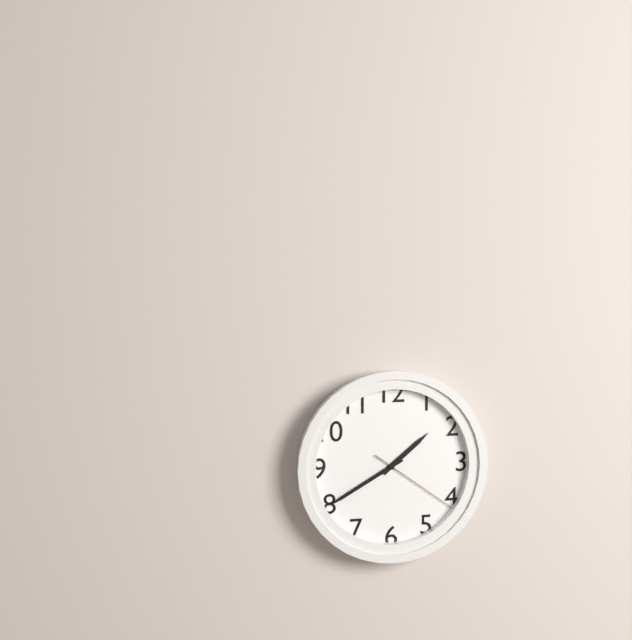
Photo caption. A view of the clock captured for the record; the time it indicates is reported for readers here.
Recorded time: 1:40:21
